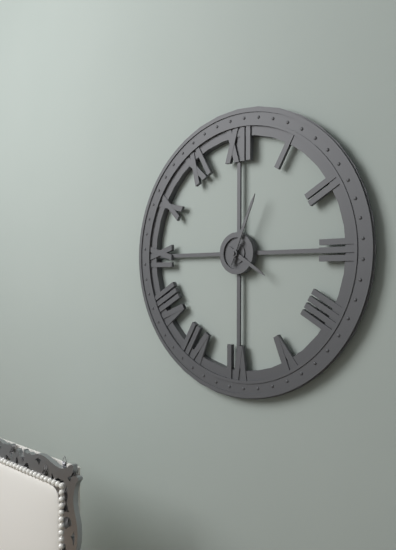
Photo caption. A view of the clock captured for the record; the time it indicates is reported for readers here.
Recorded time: 4:04
